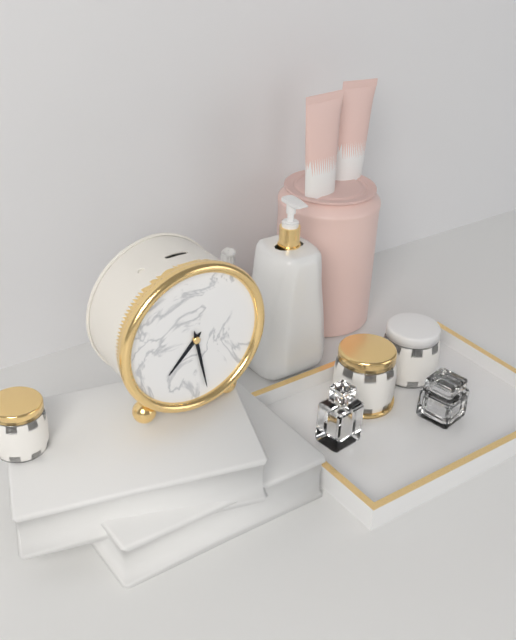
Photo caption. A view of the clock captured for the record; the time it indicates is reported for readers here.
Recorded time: 7:28
